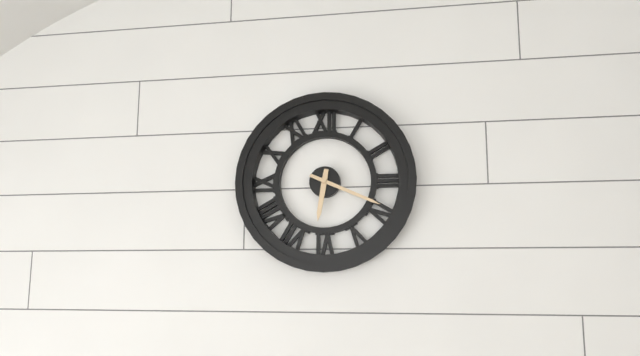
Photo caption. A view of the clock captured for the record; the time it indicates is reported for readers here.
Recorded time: 6:19
